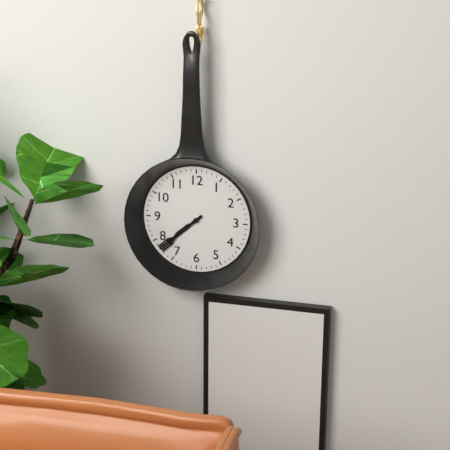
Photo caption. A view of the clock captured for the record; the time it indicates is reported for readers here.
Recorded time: 7:38
